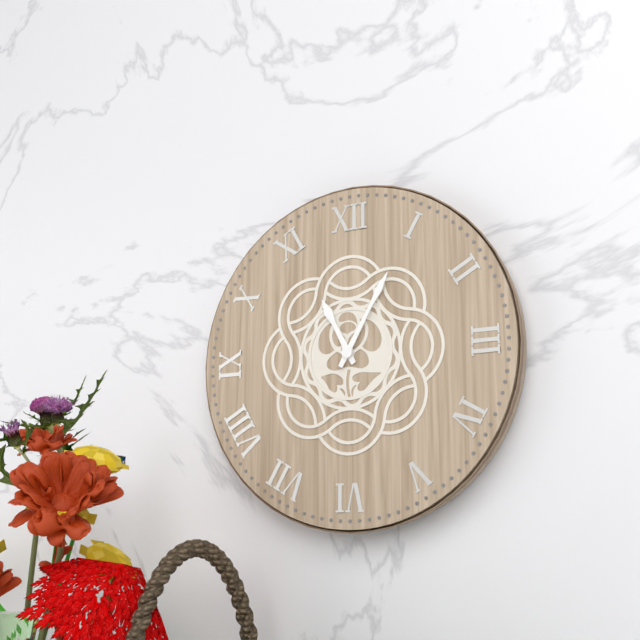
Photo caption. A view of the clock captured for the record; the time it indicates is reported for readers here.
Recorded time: 11:05
